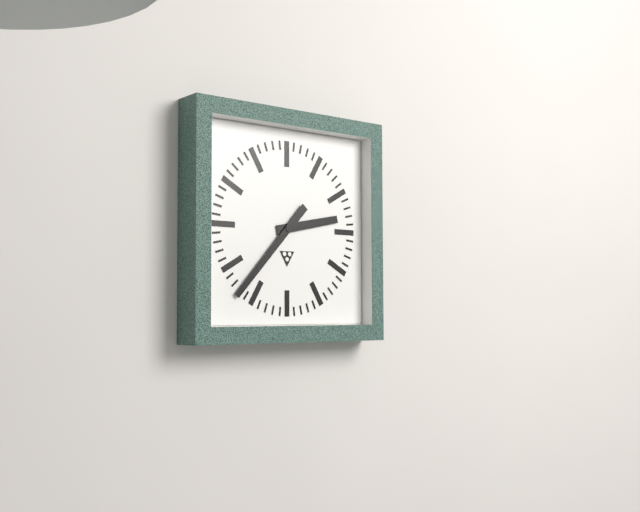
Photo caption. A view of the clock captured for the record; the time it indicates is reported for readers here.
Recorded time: 2:37
